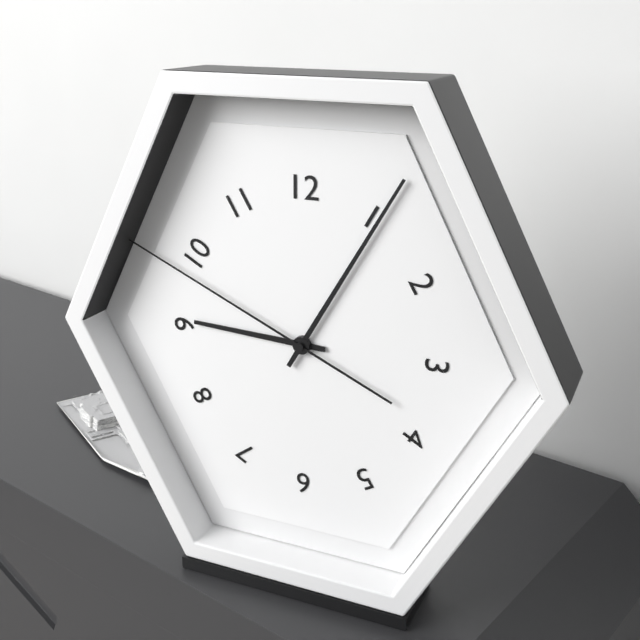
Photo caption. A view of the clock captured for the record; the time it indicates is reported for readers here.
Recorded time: 9:05:49
